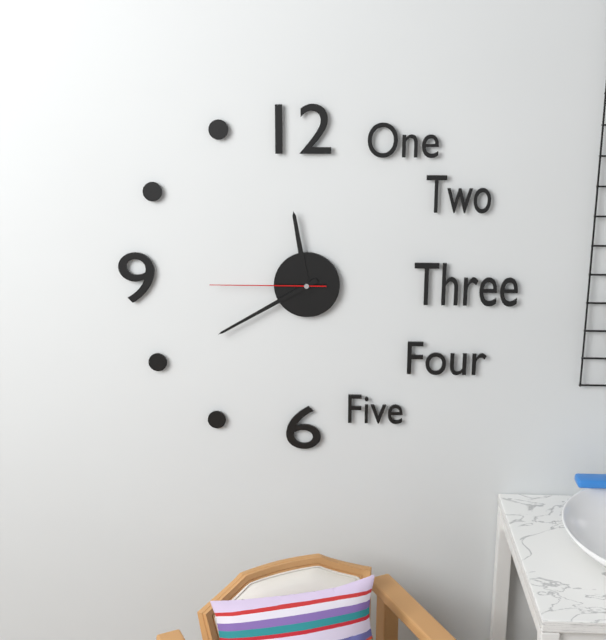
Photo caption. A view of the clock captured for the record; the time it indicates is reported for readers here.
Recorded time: 11:40:45
